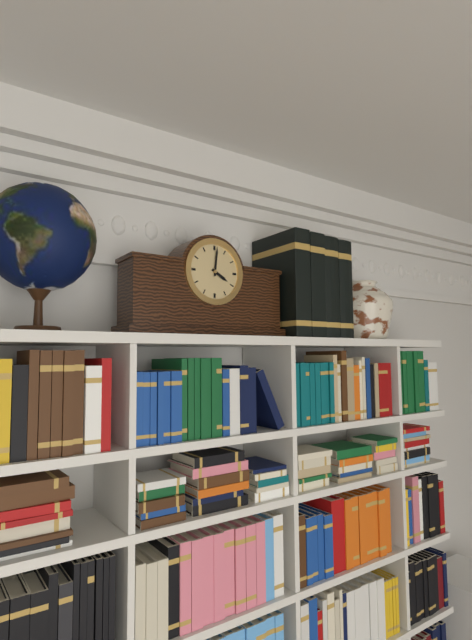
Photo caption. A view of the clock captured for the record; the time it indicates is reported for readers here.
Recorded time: 4:01
